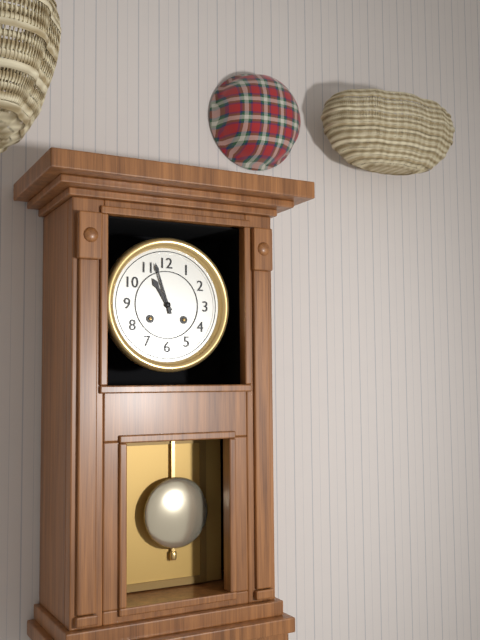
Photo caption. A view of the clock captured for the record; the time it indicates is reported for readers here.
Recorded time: 10:57
